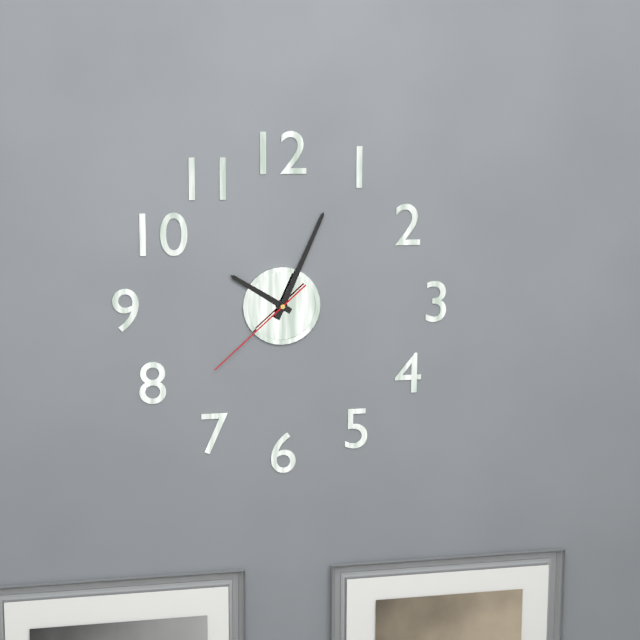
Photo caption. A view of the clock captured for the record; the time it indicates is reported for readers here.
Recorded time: 10:04:38
